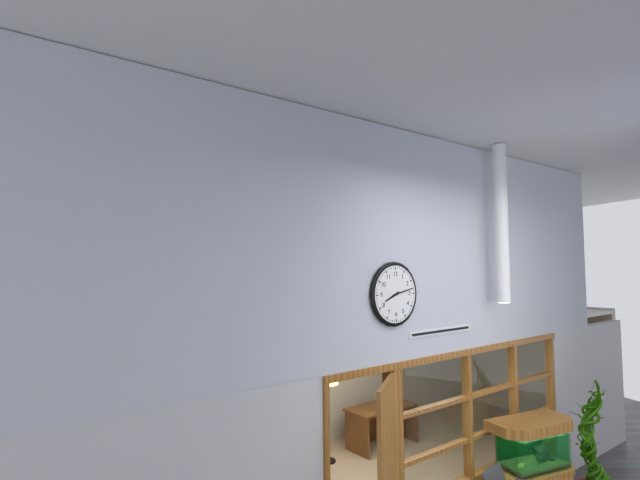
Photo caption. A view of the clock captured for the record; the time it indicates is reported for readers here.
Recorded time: 8:13
